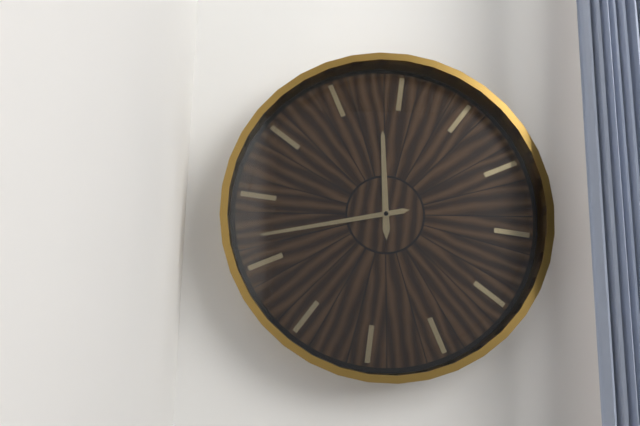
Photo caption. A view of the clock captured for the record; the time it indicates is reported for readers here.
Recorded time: 11:42
